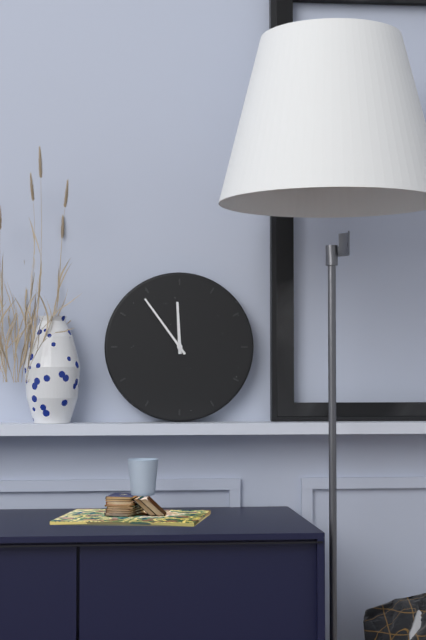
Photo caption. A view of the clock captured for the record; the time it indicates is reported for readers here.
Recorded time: 11:54
